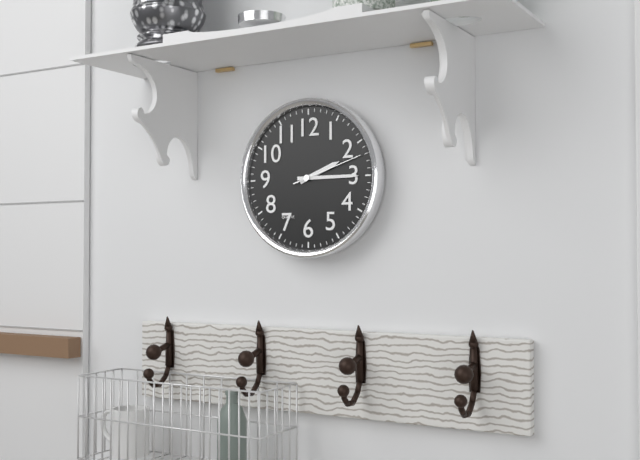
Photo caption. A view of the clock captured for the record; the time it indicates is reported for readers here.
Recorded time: 2:15:12
